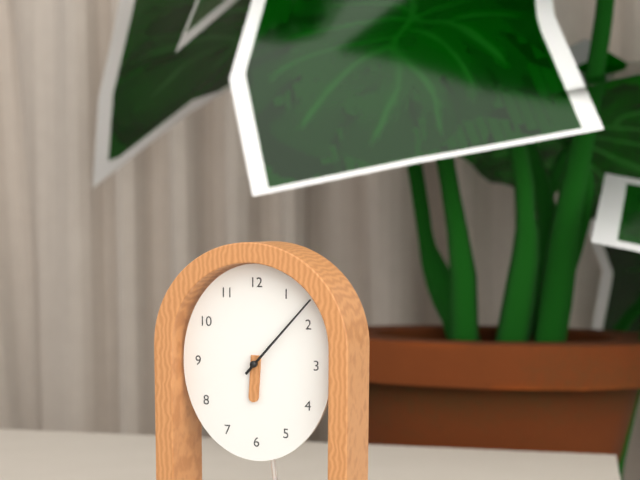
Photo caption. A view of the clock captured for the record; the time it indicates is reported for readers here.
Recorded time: 6:07
